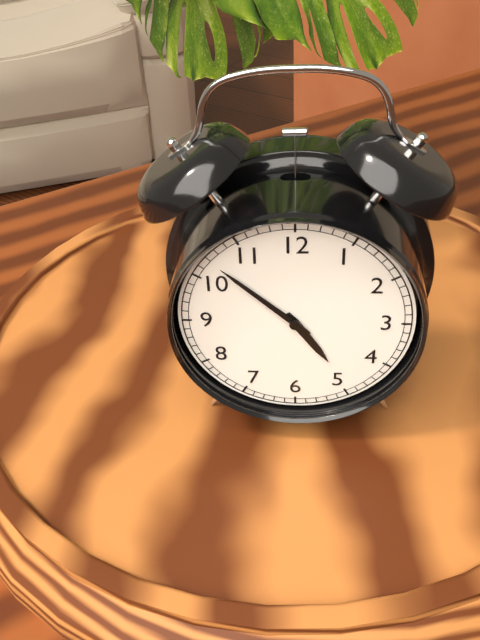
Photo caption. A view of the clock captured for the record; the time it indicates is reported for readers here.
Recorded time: 4:52
